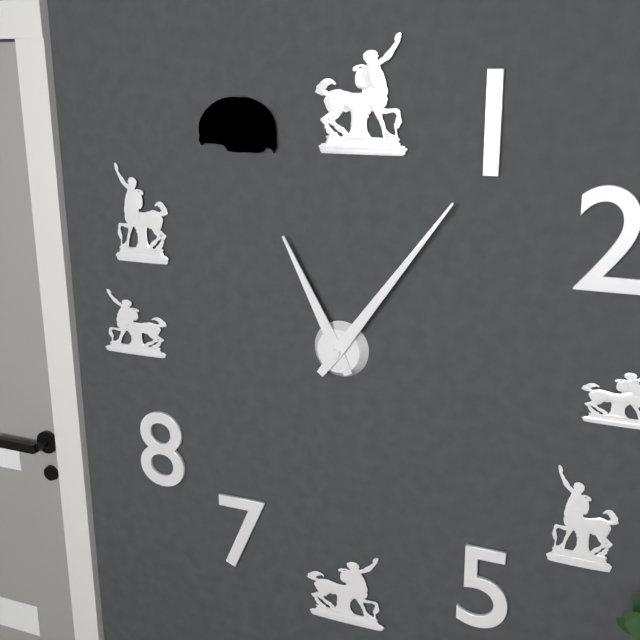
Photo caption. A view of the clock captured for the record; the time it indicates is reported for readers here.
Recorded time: 11:06
